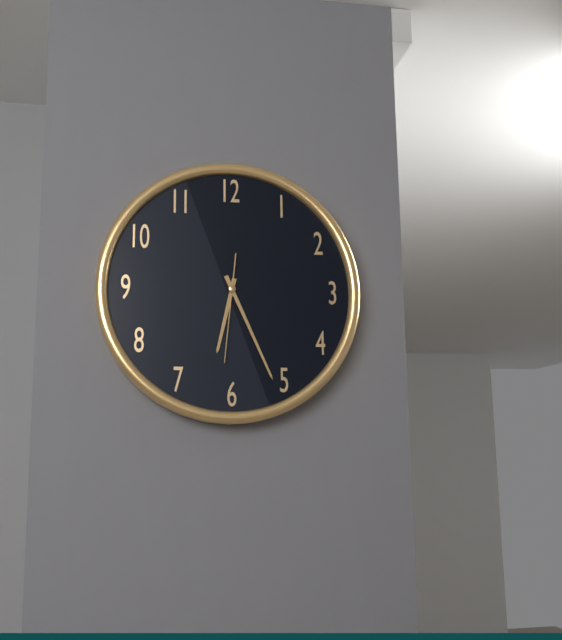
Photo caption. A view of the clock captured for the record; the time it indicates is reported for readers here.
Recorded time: 6:26:31
